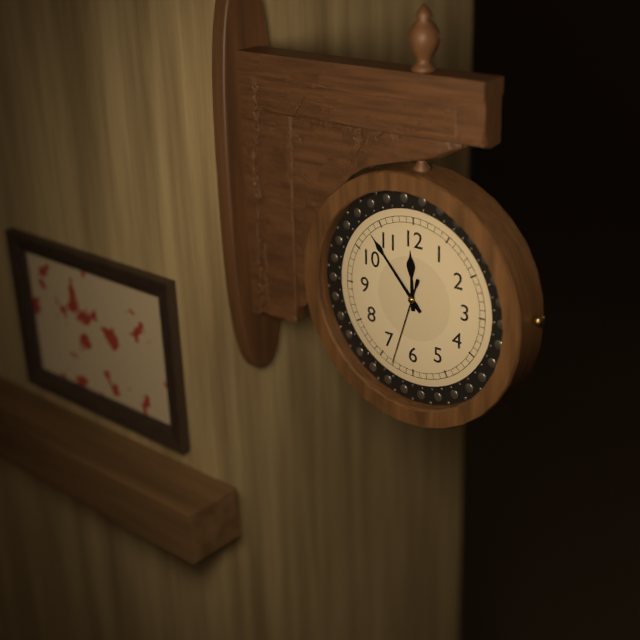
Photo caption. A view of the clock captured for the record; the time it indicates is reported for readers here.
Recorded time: 11:53:33
